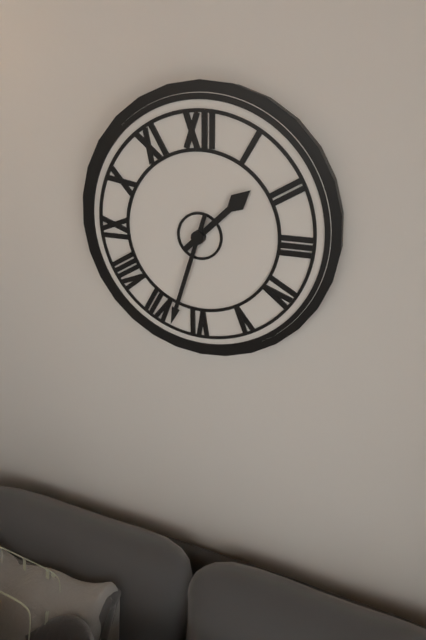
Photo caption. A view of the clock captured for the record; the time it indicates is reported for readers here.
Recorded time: 1:33
